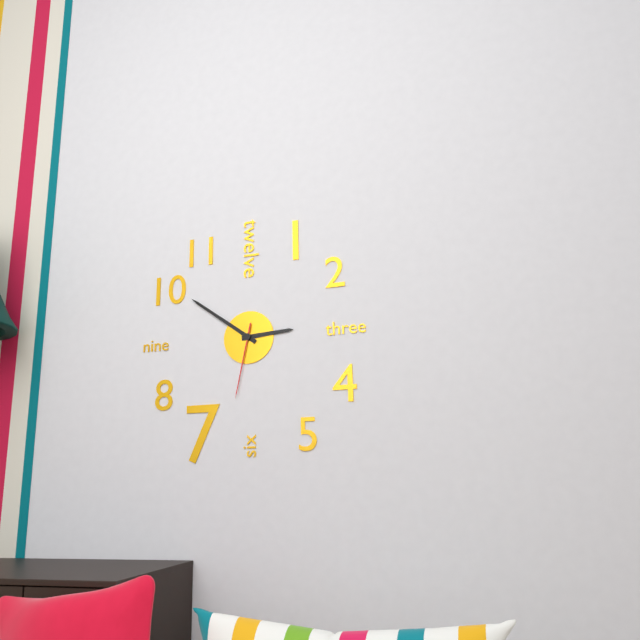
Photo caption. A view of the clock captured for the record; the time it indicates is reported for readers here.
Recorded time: 2:51:32
